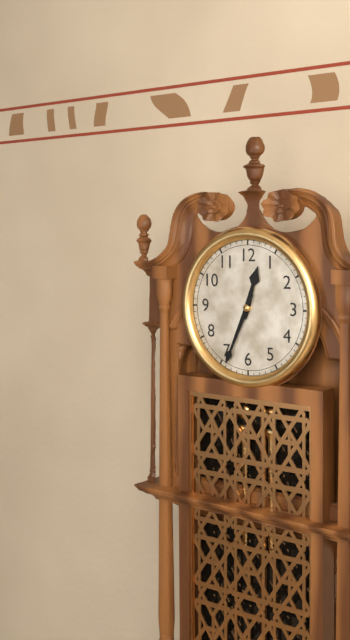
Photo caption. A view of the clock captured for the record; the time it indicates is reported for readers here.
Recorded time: 12:34
